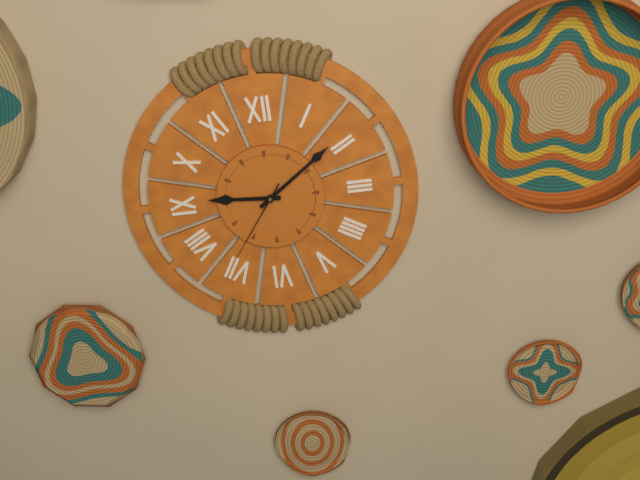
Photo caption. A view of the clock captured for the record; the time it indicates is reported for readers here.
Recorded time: 9:09:36
